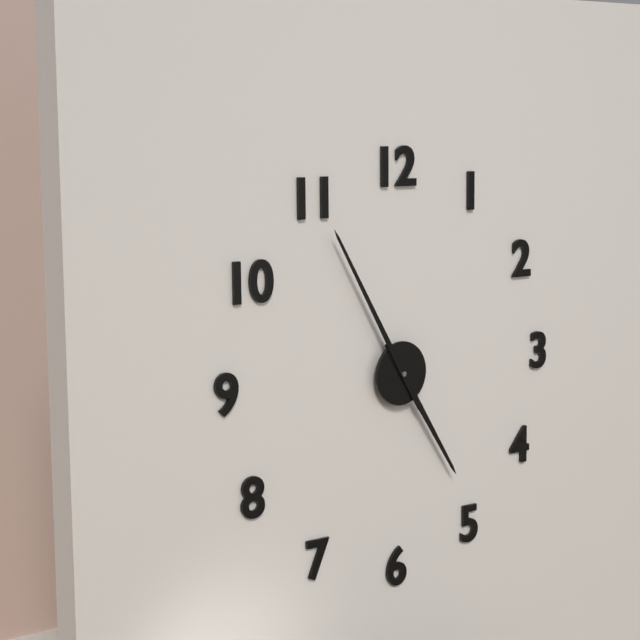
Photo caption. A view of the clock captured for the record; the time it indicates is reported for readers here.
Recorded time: 4:55
